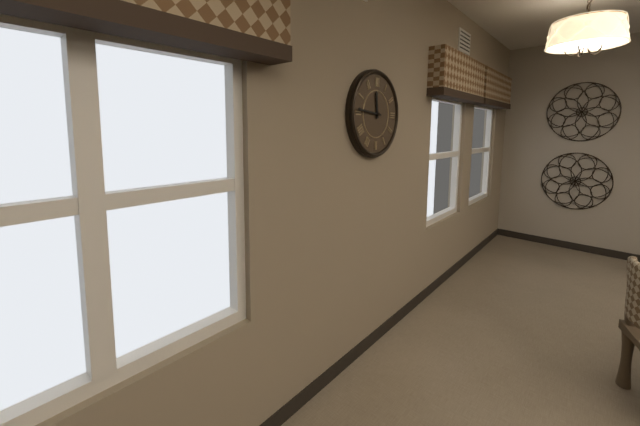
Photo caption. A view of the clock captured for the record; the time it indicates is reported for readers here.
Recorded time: 11:46
